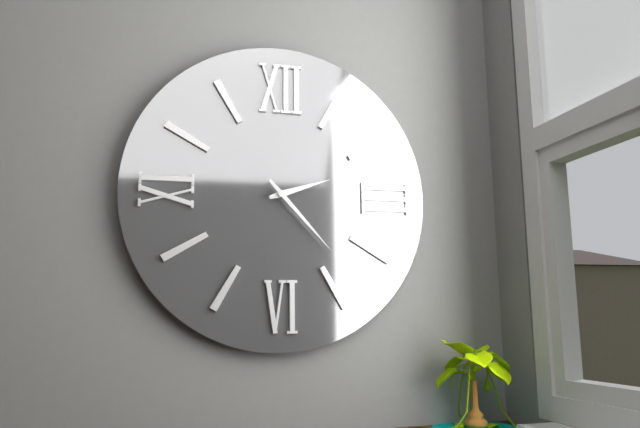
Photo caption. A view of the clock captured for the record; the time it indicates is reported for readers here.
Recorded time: 2:23
